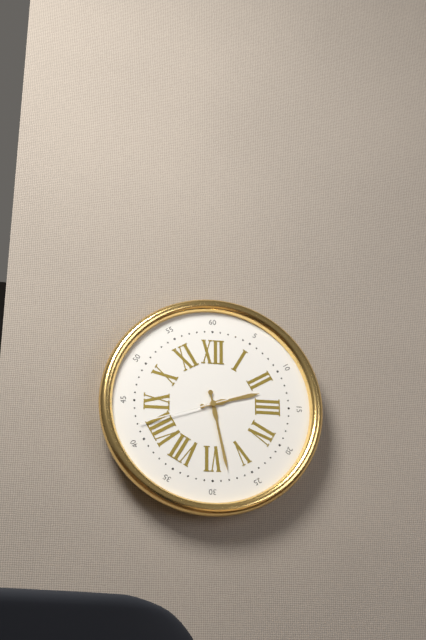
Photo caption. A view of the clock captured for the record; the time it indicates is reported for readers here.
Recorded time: 2:28:42
